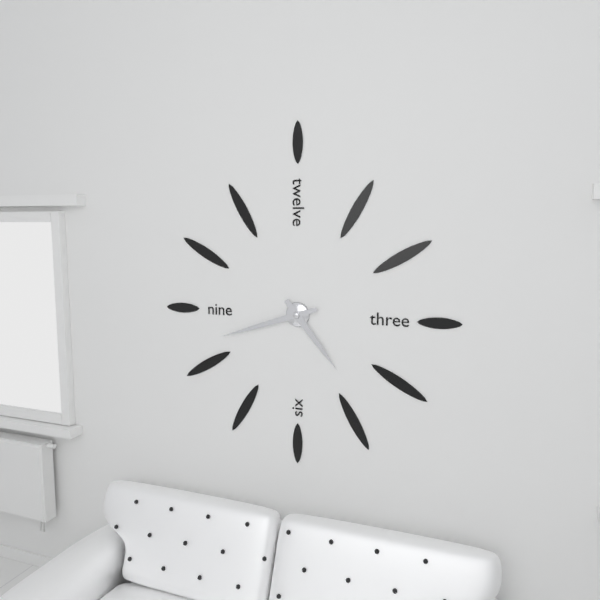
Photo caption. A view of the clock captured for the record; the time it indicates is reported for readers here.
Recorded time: 4:42
